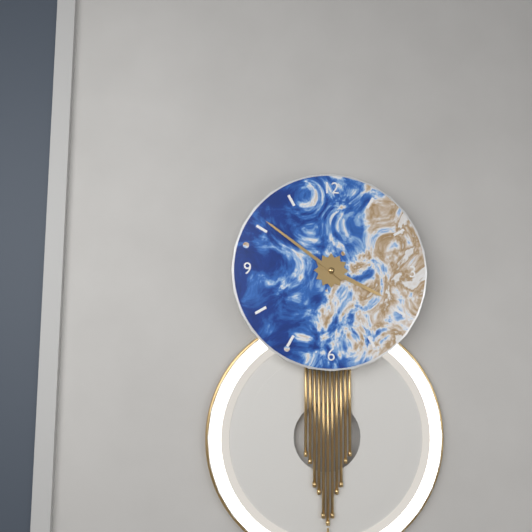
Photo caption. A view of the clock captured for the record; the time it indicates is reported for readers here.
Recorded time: 3:51
